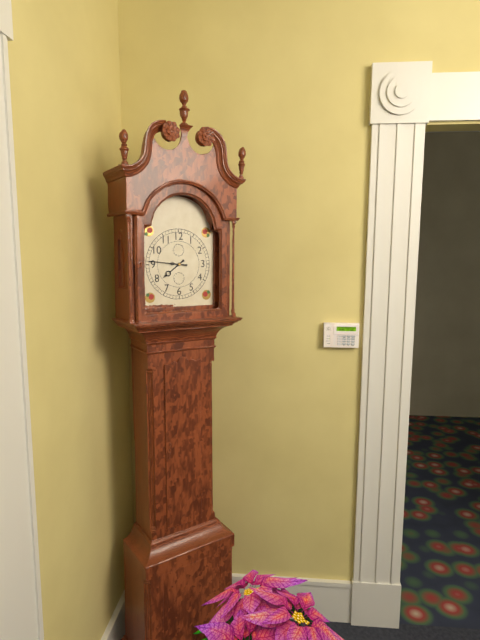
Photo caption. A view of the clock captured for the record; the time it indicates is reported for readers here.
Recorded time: 7:46
